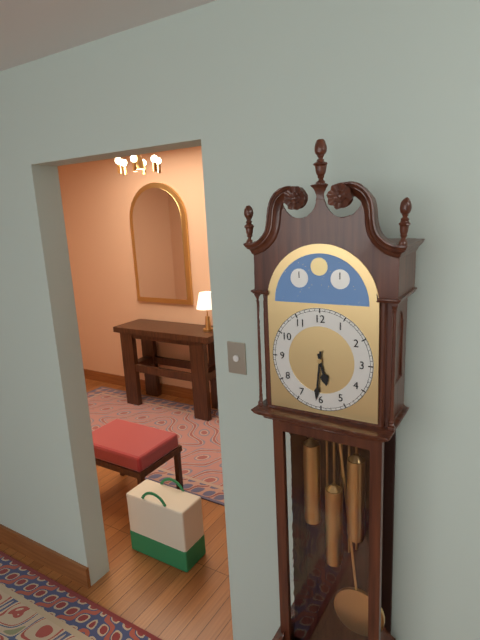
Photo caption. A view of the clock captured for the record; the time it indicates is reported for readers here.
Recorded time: 5:31
